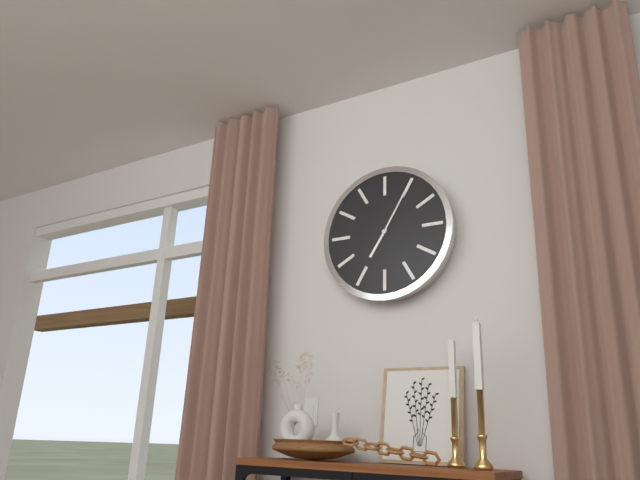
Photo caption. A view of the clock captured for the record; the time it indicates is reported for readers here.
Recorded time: 7:05
